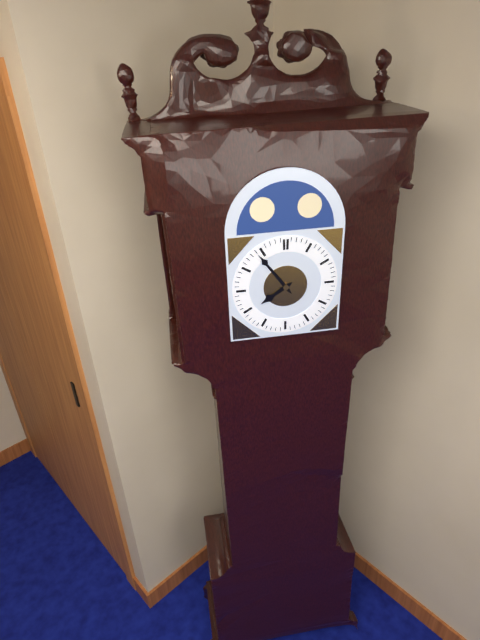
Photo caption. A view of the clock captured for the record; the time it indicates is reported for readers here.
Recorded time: 7:54
